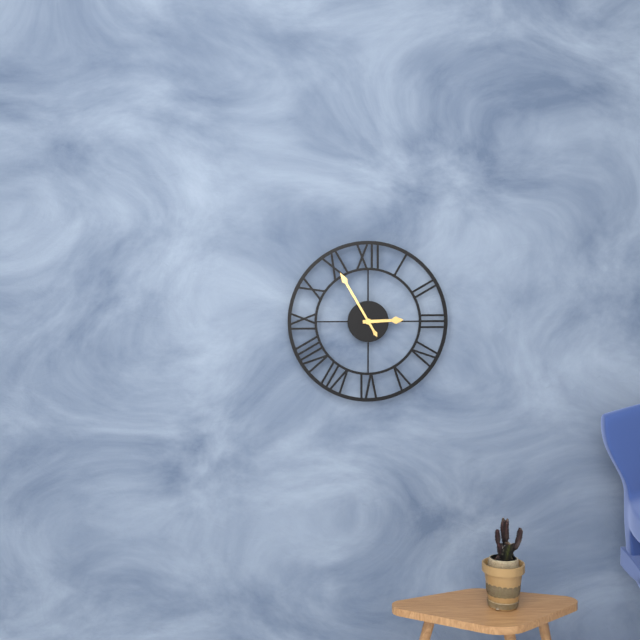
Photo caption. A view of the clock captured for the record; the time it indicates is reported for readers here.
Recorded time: 2:55
